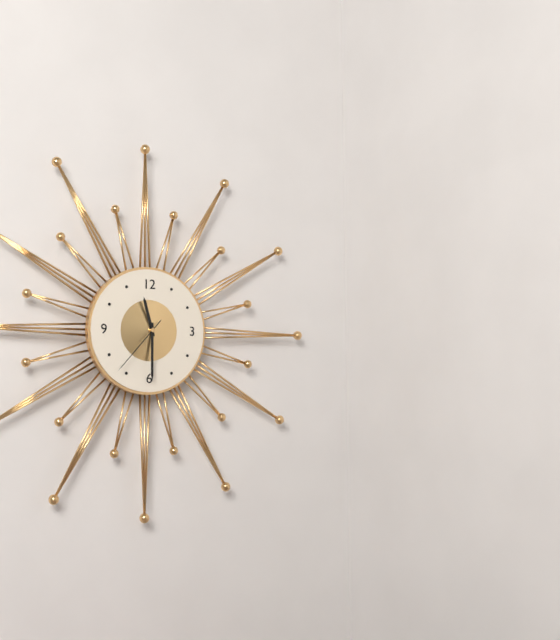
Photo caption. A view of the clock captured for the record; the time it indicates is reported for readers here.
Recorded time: 11:30:37
